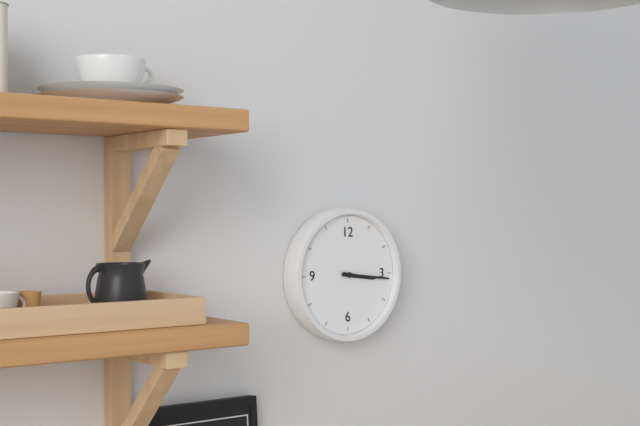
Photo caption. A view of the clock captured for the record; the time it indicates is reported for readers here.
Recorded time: 3:16
